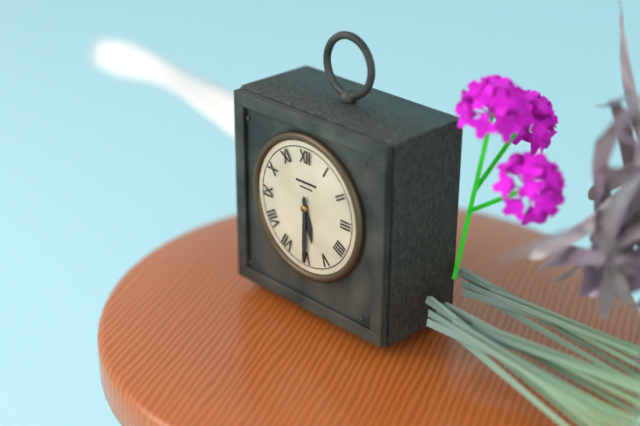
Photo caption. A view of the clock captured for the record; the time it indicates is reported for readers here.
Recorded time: 5:30
